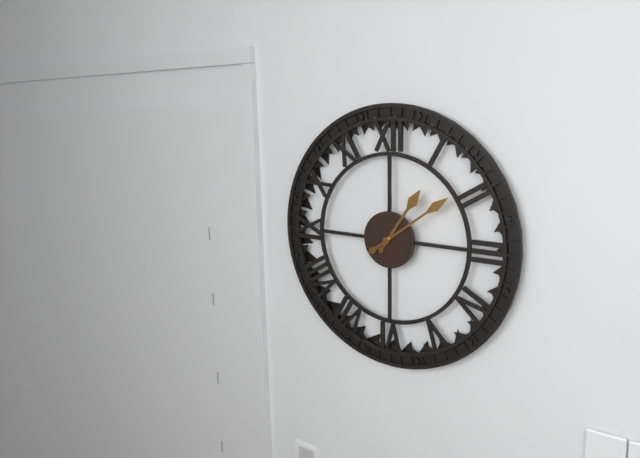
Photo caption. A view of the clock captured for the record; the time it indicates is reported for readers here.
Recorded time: 1:09
